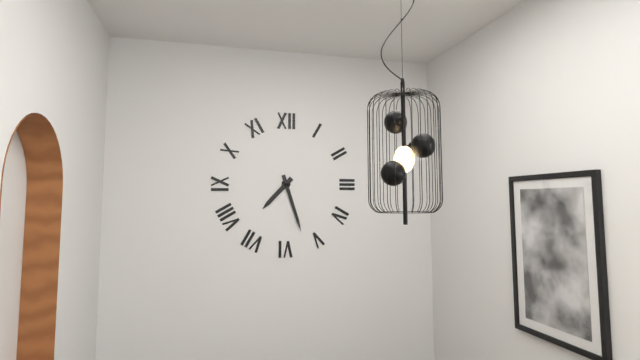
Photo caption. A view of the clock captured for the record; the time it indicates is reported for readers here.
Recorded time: 7:27
